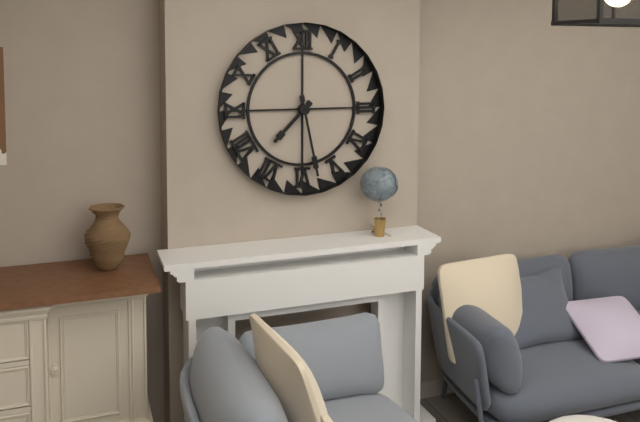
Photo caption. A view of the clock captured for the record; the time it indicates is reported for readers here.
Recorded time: 7:28
